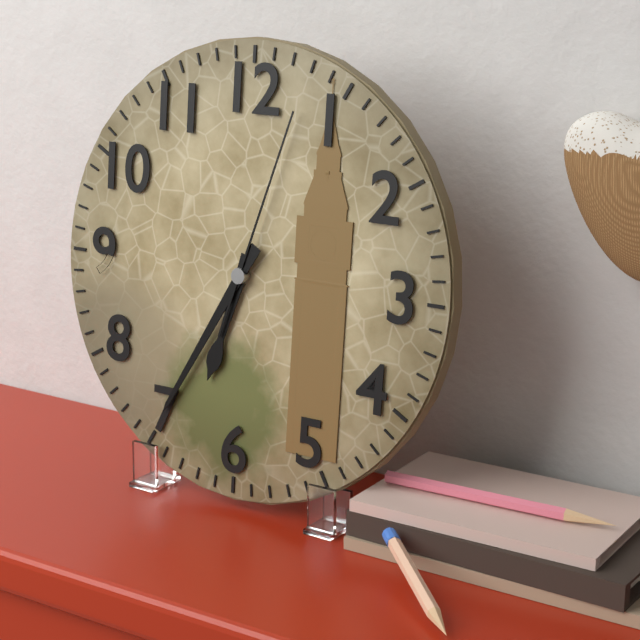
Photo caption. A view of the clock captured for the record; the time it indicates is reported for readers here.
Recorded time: 6:35:03
